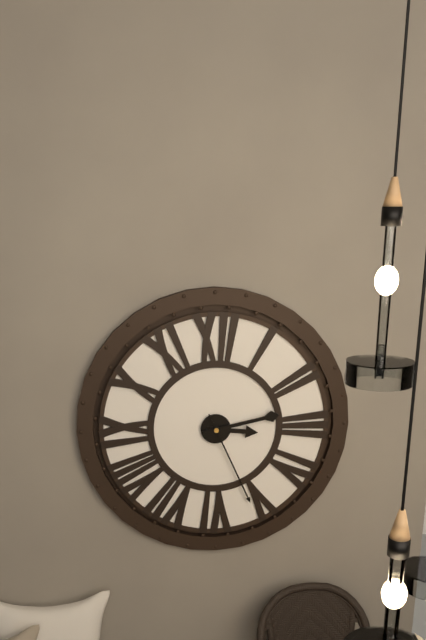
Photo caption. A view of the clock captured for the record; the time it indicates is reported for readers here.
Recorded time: 3:13:26
